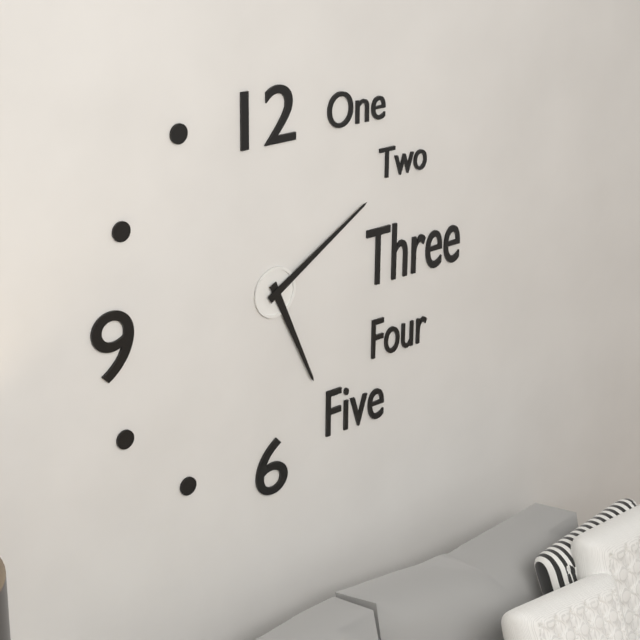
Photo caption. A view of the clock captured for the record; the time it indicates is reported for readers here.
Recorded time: 5:10
